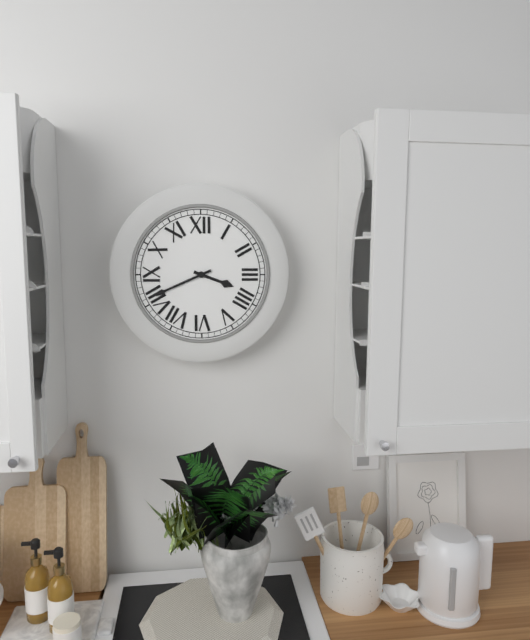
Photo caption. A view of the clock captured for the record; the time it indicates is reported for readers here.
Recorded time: 3:41
